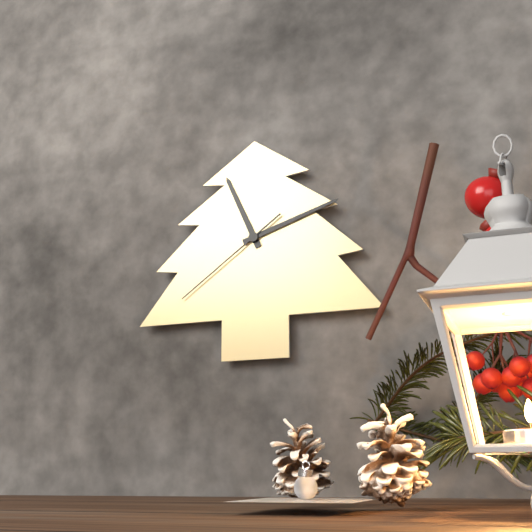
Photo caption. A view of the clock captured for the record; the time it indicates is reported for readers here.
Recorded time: 11:12:39
